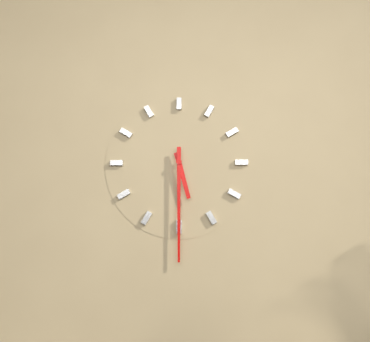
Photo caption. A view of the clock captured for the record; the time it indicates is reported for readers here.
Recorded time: 5:30
